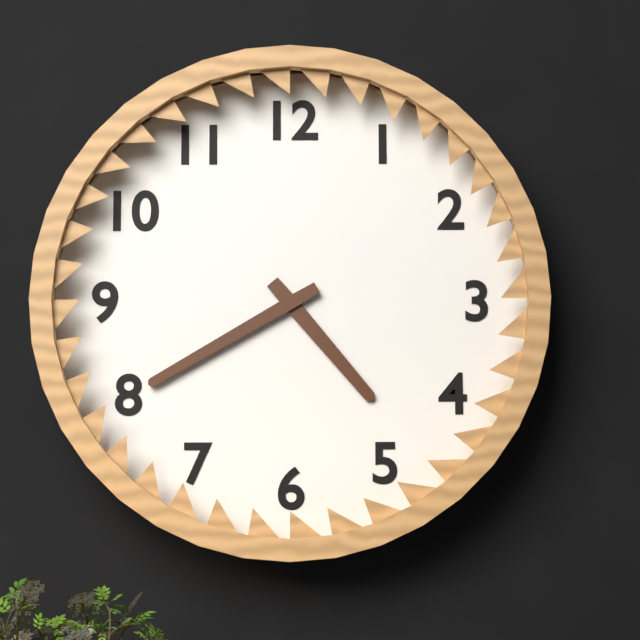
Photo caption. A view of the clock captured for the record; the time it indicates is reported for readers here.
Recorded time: 4:40
